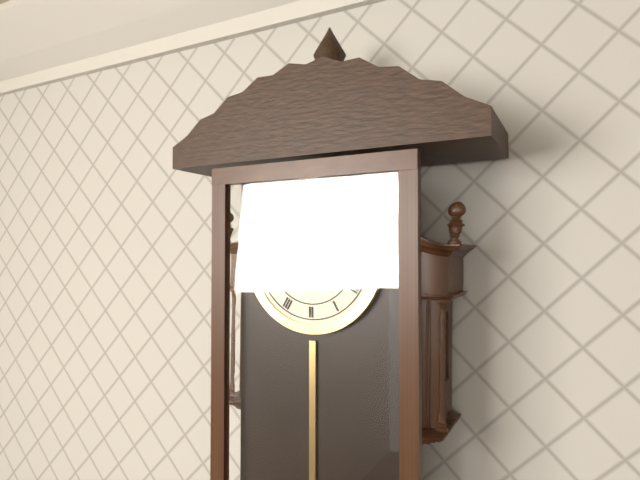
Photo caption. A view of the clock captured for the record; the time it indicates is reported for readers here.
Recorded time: 8:09
